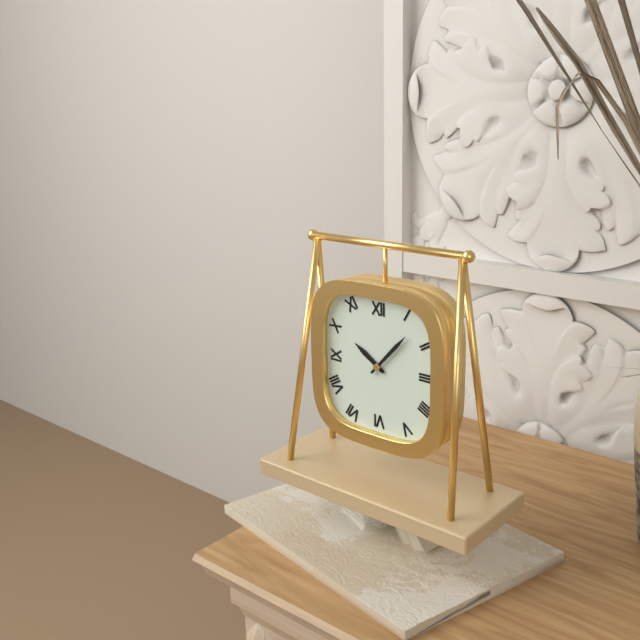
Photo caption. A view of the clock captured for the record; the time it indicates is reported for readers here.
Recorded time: 10:07
